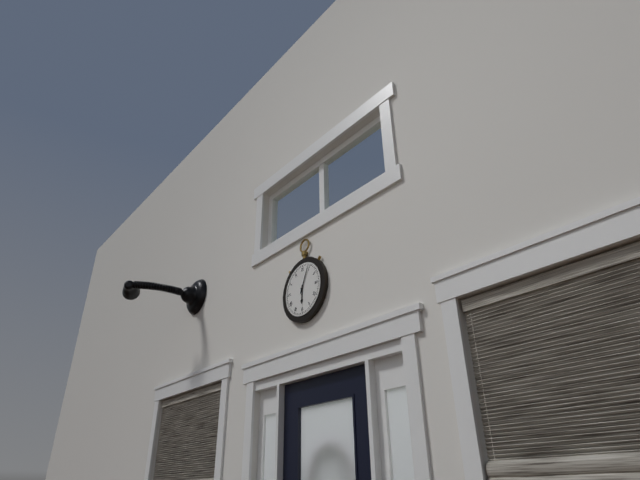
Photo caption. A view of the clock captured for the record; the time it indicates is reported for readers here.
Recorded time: 6:04
